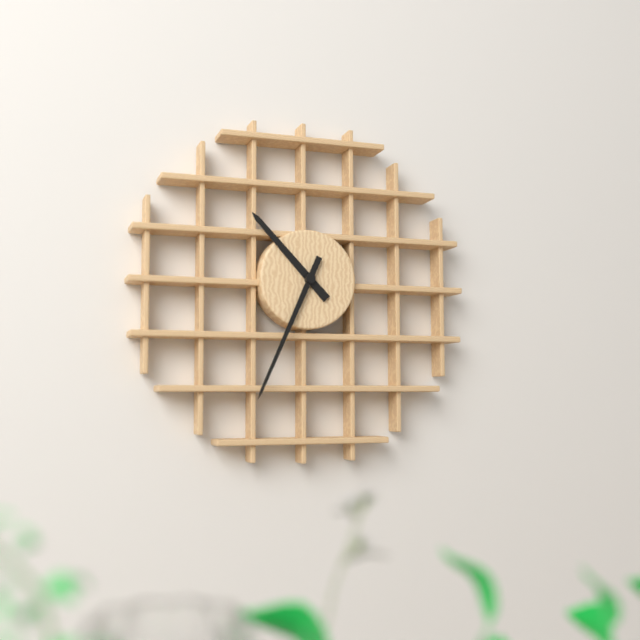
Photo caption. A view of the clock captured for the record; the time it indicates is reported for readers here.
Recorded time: 10:34
